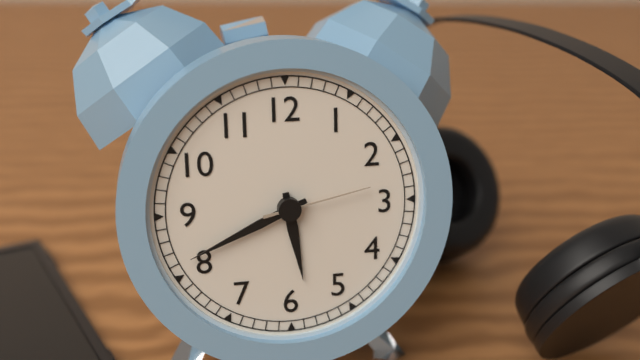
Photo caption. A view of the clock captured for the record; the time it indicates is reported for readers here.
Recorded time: 5:41:13
